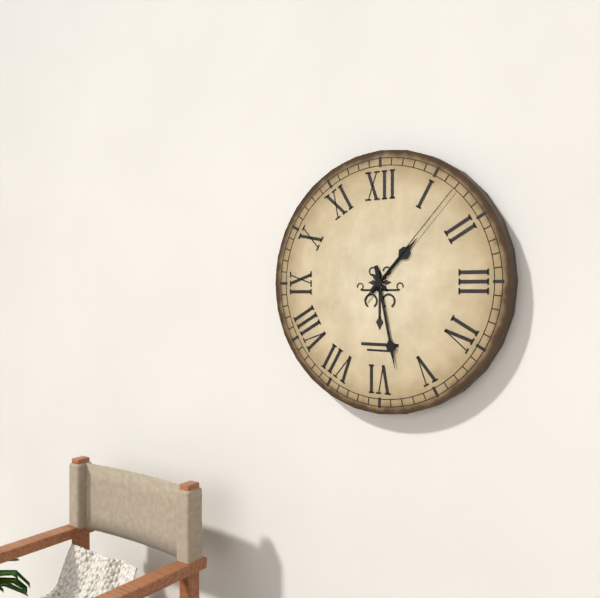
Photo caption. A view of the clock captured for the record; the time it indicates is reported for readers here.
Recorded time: 1:28:07
